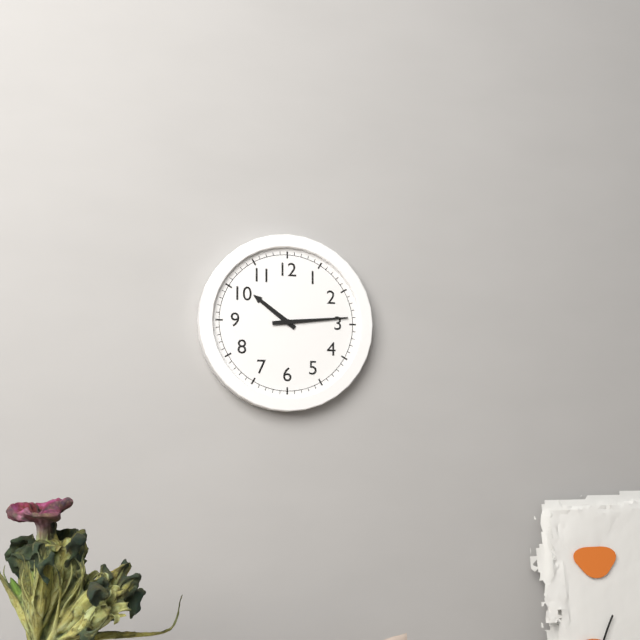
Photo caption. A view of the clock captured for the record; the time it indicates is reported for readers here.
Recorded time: 10:14
